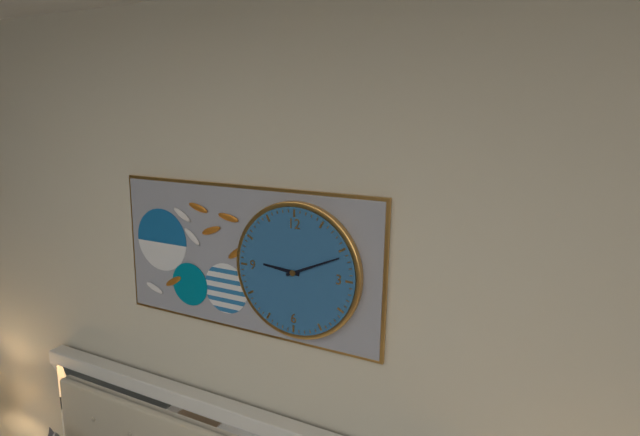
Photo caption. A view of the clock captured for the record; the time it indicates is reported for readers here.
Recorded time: 9:11
